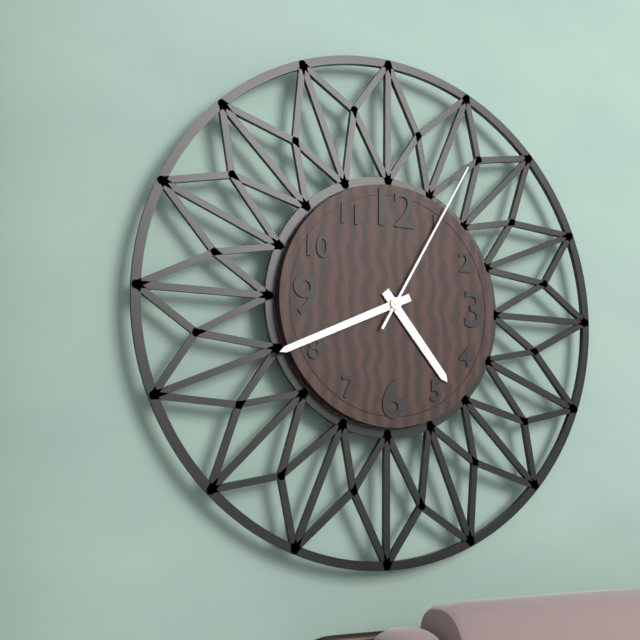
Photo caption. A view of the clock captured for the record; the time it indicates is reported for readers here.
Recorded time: 4:41:05
